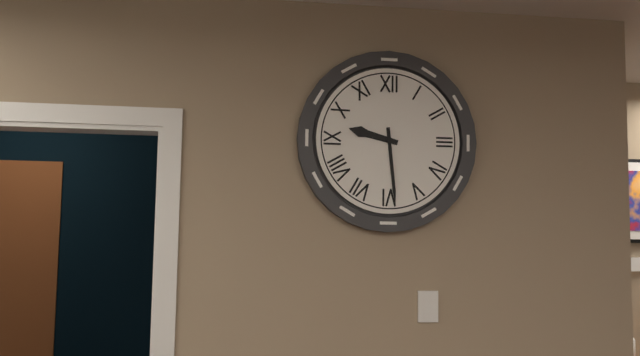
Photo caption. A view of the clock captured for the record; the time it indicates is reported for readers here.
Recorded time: 9:29
